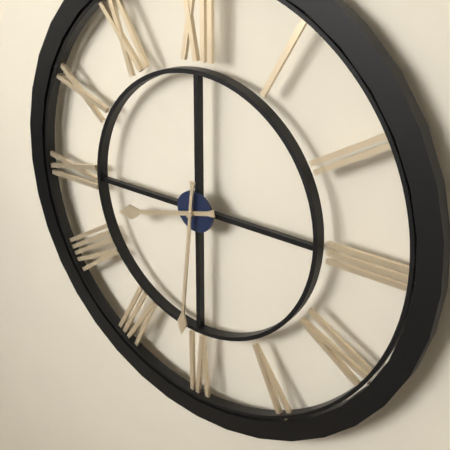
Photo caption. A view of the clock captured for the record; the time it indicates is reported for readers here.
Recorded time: 8:31
